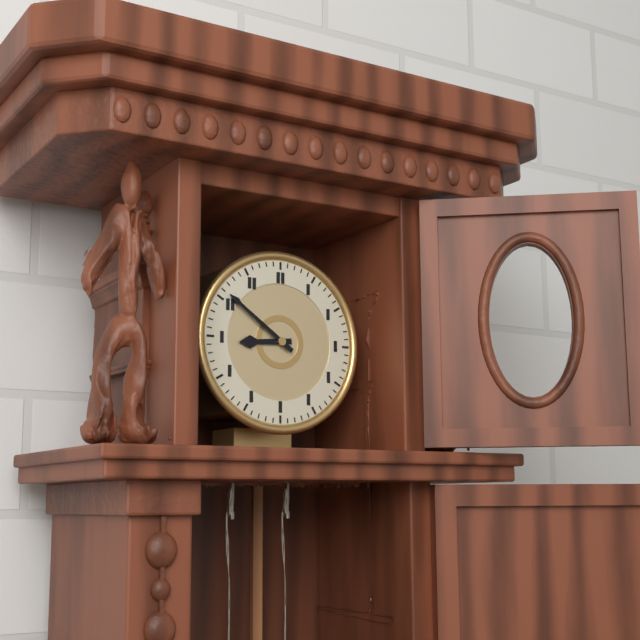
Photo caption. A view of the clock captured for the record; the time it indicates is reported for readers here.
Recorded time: 8:51
